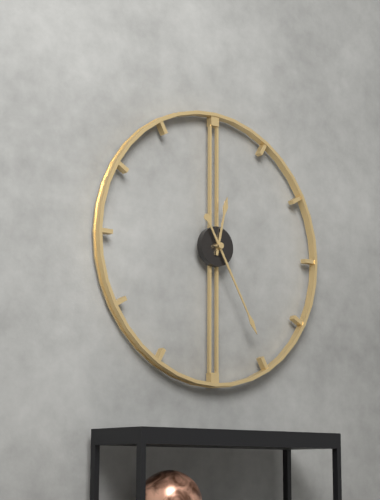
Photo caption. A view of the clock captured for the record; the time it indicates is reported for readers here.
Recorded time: 12:25
